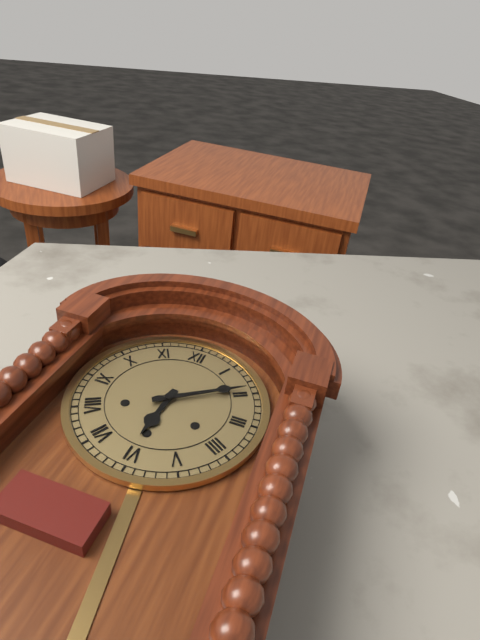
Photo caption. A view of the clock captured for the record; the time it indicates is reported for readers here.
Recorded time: 6:09
